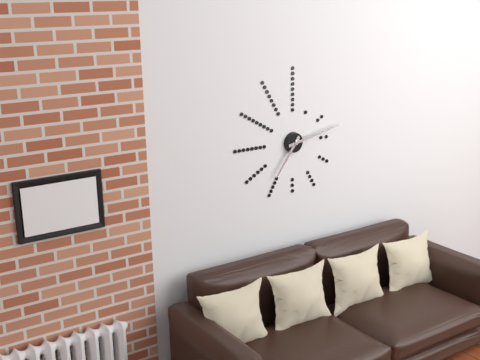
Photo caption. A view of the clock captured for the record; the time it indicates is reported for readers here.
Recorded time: 7:13
